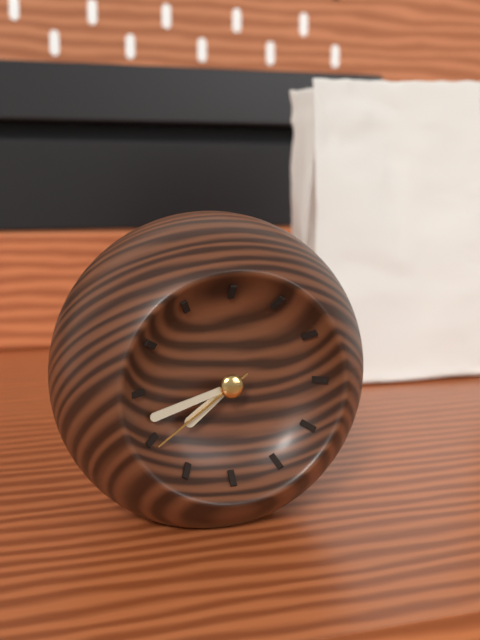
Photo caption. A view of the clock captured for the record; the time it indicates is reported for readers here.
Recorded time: 7:42:39
